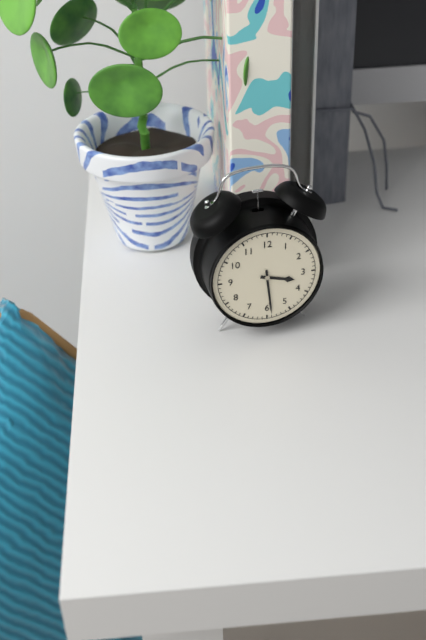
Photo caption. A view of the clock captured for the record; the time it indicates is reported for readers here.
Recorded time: 3:29
